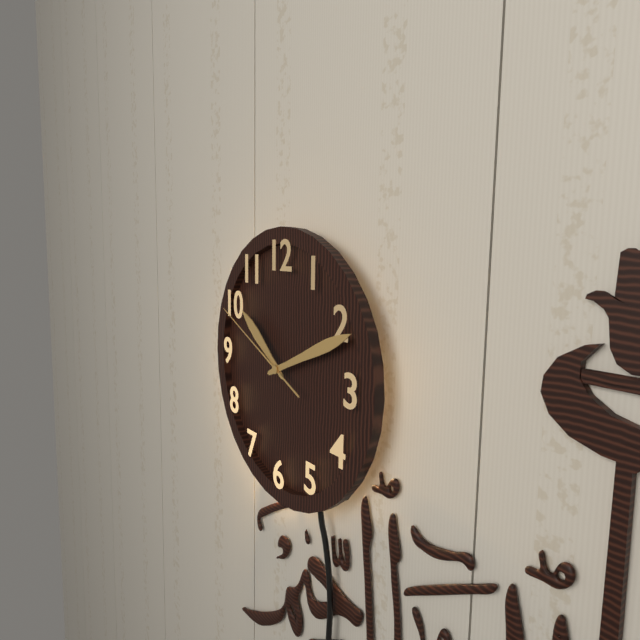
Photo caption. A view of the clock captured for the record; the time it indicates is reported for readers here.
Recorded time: 10:11:49
